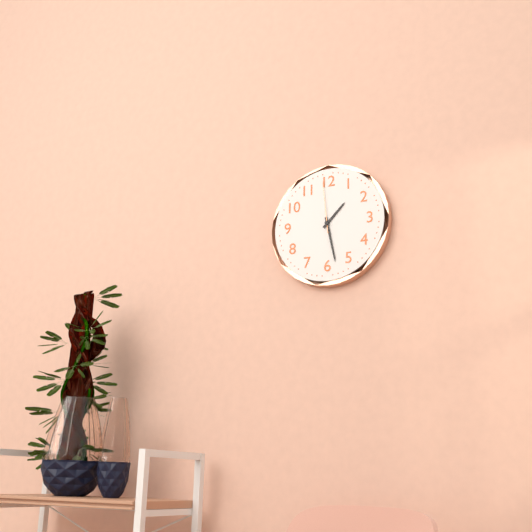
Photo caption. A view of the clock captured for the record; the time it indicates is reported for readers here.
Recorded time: 1:28:59
